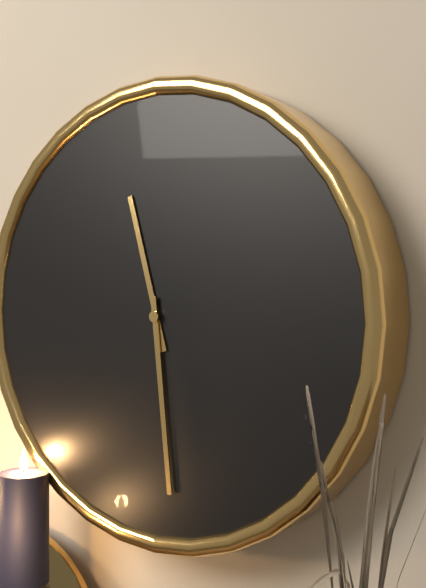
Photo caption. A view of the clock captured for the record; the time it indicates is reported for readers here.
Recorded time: 11:29
